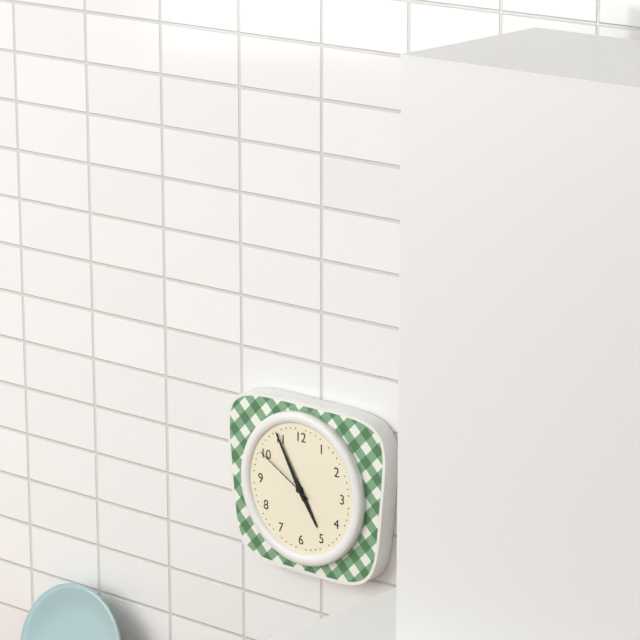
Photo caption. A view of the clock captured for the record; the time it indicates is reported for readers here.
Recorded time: 4:55:50
